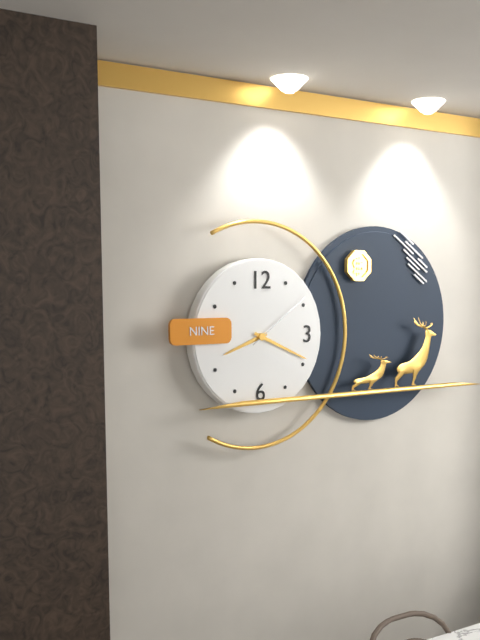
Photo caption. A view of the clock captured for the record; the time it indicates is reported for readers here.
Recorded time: 8:19:09
